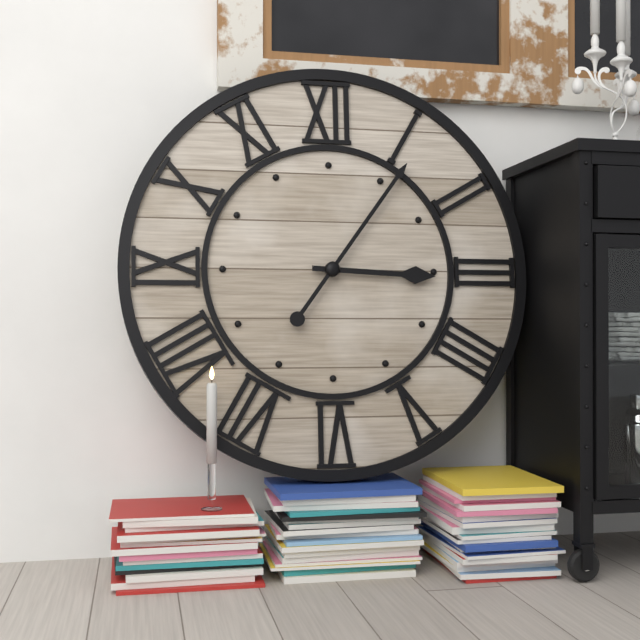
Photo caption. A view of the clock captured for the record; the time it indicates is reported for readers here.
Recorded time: 3:06
